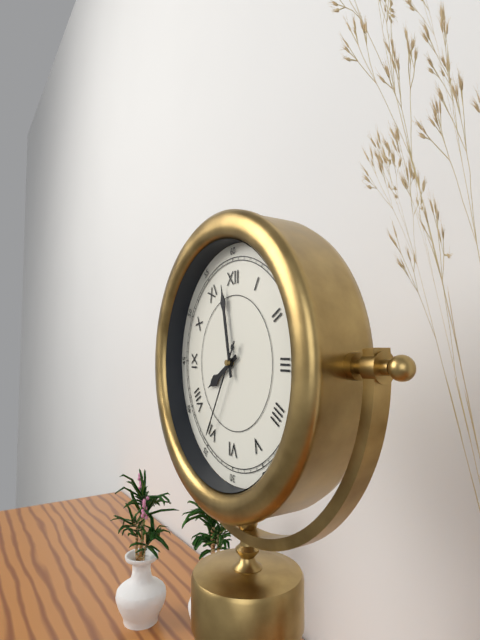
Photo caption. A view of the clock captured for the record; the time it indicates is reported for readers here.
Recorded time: 7:58:35
